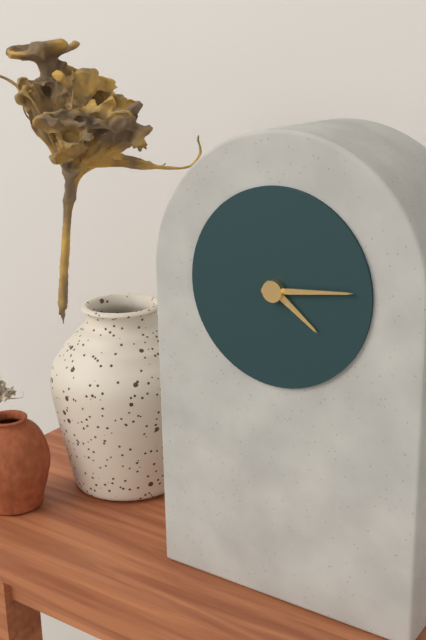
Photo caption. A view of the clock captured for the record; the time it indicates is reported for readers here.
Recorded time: 4:14
